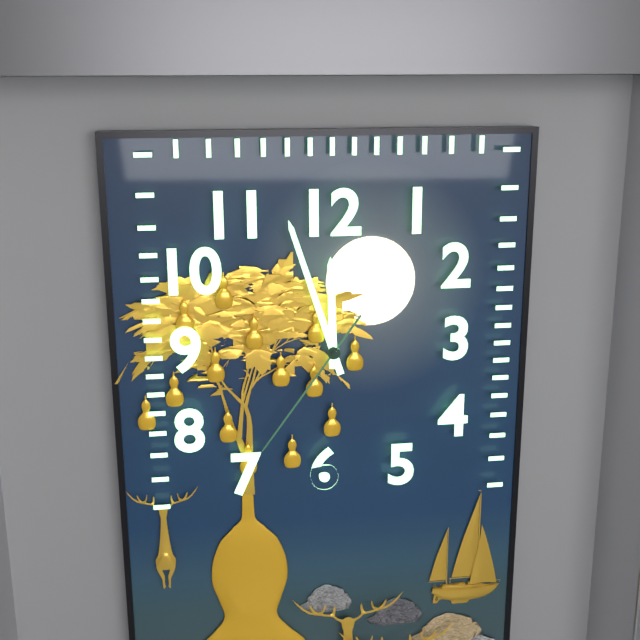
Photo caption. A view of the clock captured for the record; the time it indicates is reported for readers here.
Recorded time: 11:57:36
